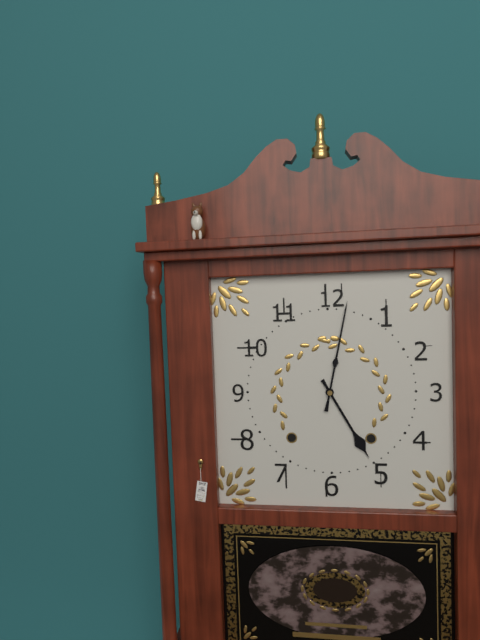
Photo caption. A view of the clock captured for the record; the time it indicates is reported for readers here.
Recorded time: 5:02
